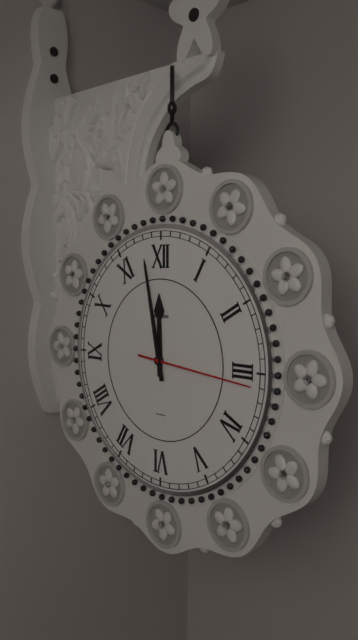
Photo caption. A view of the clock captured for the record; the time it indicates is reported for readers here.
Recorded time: 11:58:16
